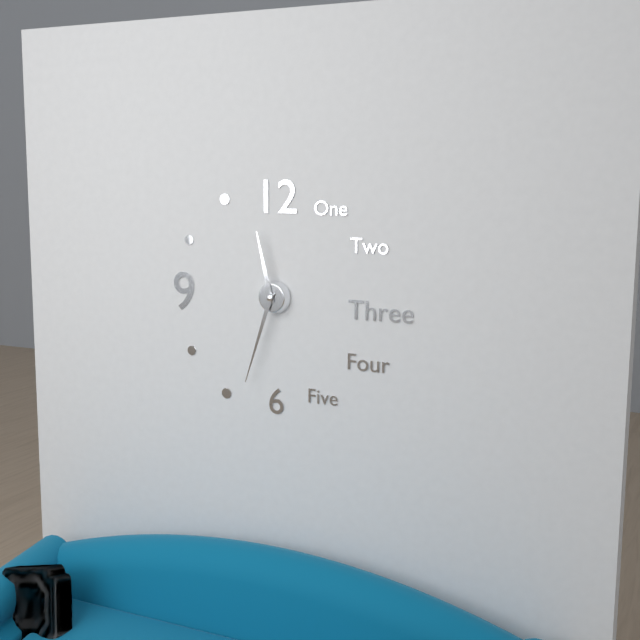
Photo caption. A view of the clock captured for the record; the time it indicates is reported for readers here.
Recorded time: 11:33
